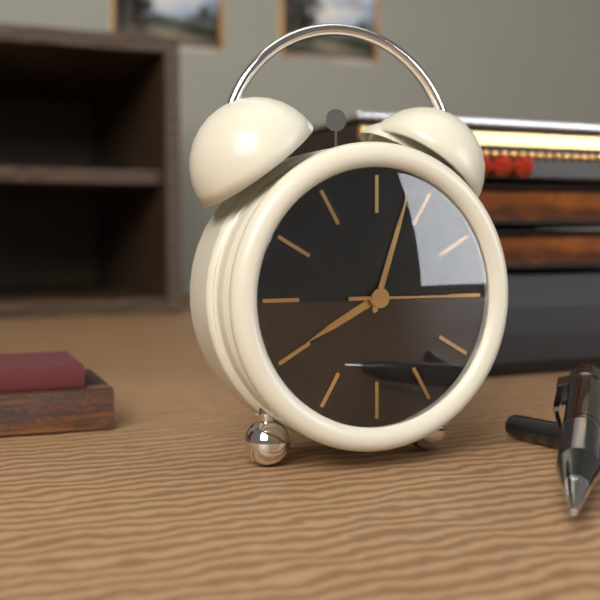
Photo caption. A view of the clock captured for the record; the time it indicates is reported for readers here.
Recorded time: 8:03:15
